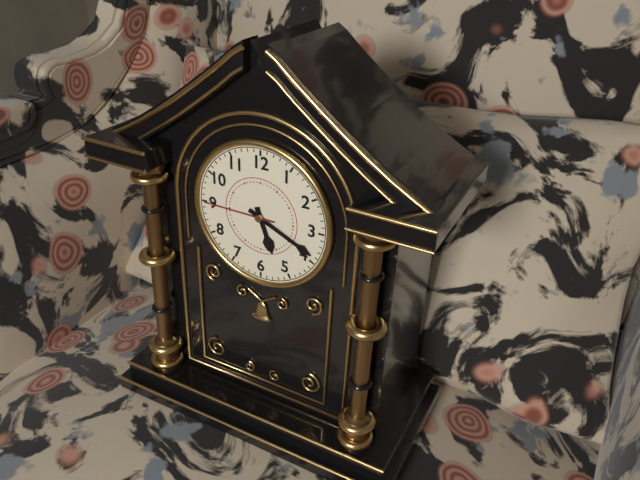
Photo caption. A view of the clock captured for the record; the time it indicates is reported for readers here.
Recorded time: 5:19:45
